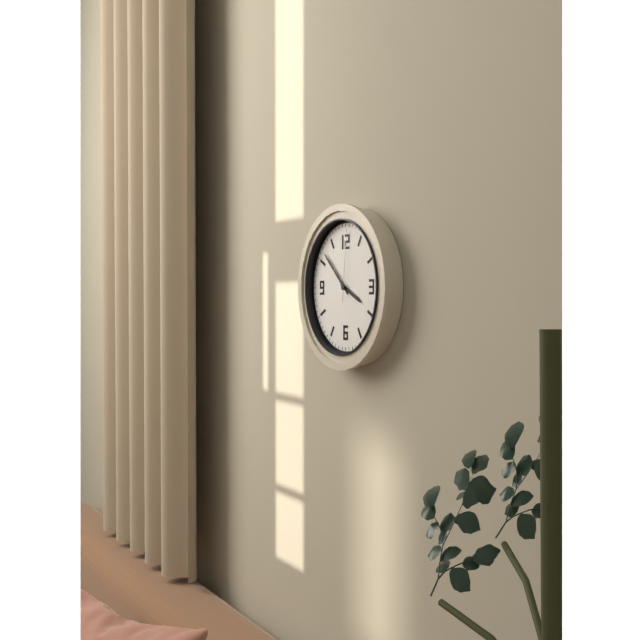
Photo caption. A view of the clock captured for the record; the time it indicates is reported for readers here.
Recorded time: 3:52:01
